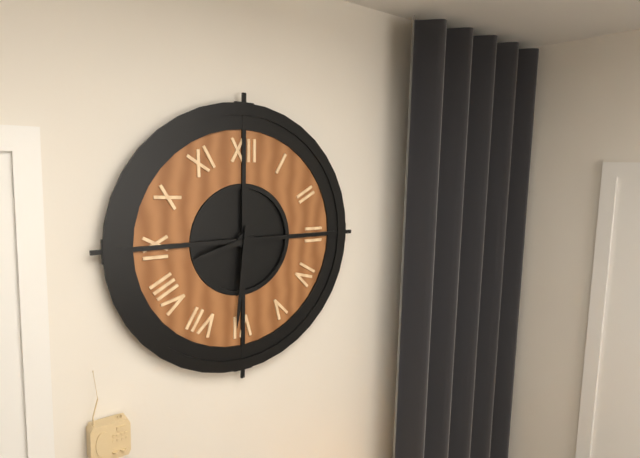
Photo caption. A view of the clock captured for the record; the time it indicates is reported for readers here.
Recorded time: 8:31
